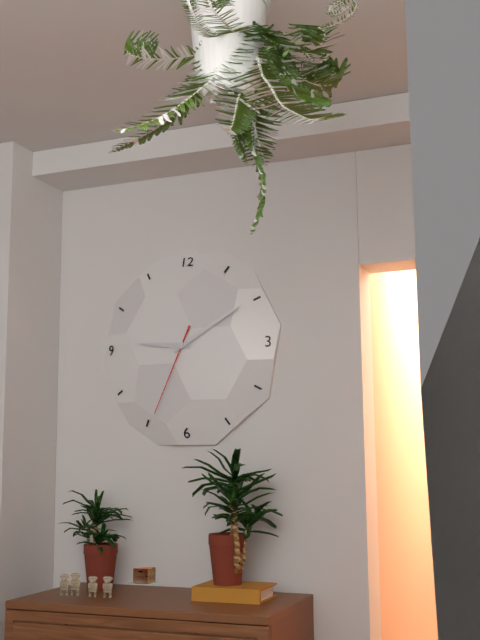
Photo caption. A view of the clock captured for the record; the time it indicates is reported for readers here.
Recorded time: 9:10:34
